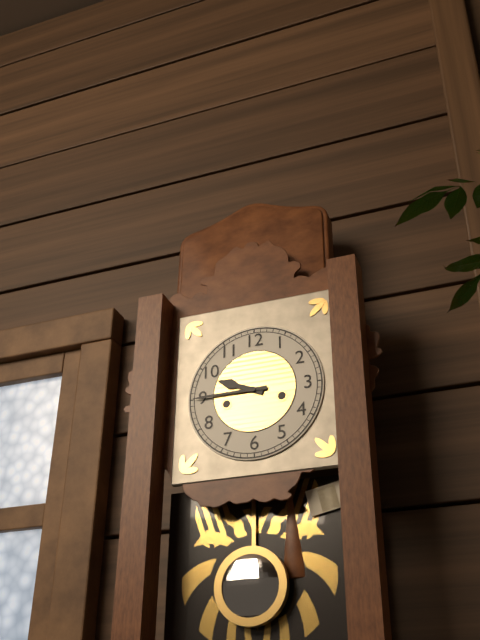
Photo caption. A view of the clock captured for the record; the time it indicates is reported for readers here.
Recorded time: 9:45
